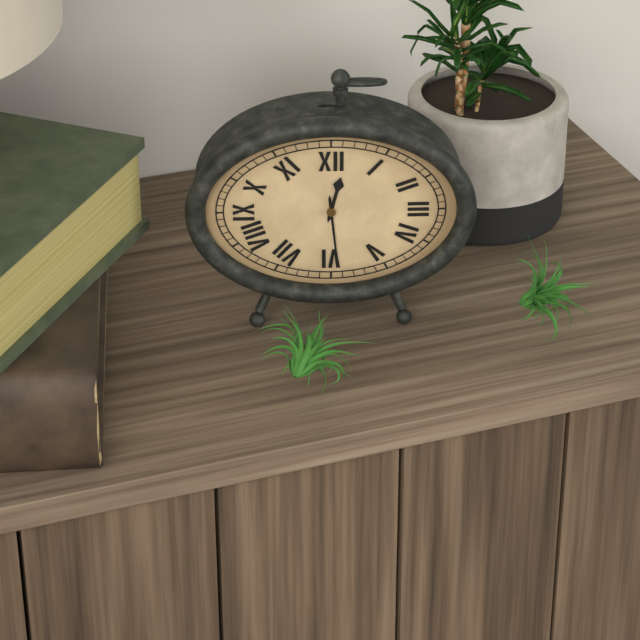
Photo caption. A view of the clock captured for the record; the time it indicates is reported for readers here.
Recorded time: 12:29
